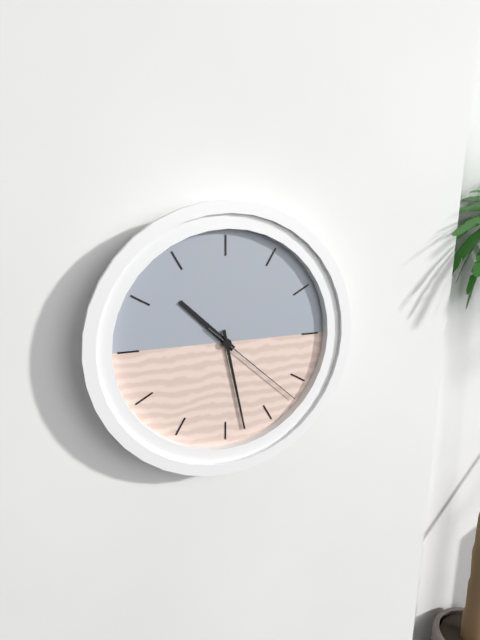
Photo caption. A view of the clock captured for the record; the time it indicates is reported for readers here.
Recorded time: 10:28:22
